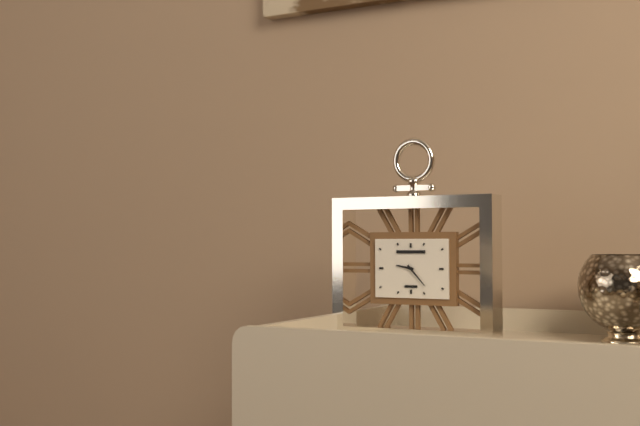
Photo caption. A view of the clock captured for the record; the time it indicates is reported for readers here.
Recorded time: 9:23
